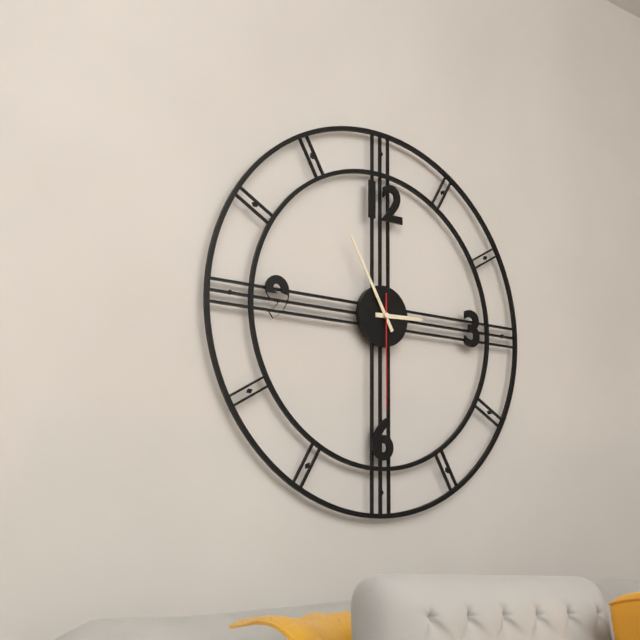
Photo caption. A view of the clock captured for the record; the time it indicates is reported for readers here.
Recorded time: 2:55:30
